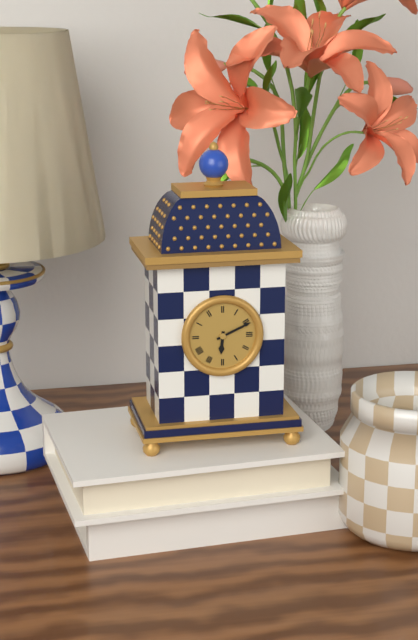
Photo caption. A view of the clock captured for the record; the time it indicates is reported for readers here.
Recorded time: 6:11
